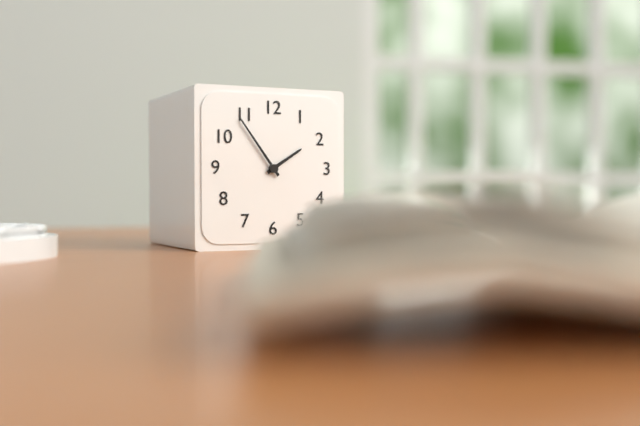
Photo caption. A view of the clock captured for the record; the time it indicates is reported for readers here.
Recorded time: 1:54
